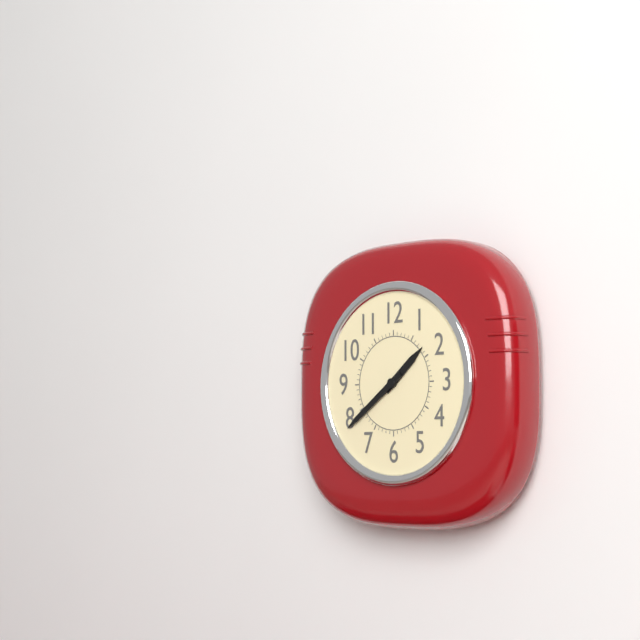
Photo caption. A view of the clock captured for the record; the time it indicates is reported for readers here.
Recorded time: 1:39
